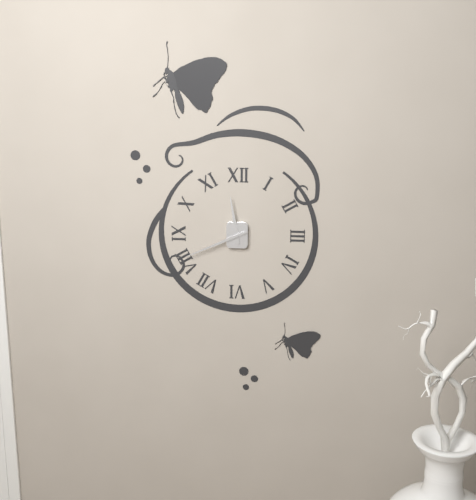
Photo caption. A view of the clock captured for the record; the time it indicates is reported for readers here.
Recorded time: 11:41
